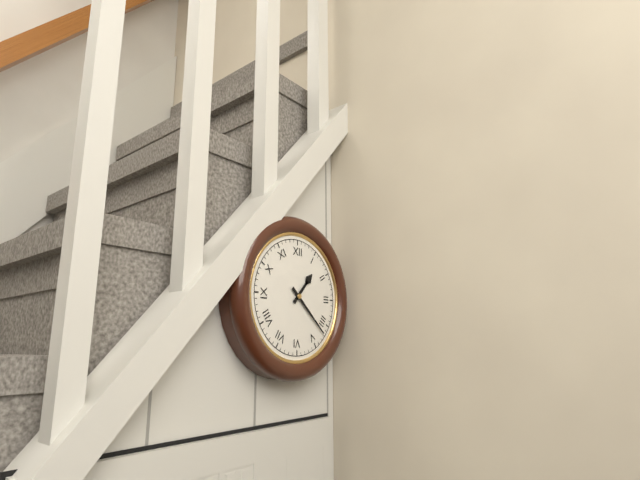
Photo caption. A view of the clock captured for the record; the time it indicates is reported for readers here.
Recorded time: 1:22
